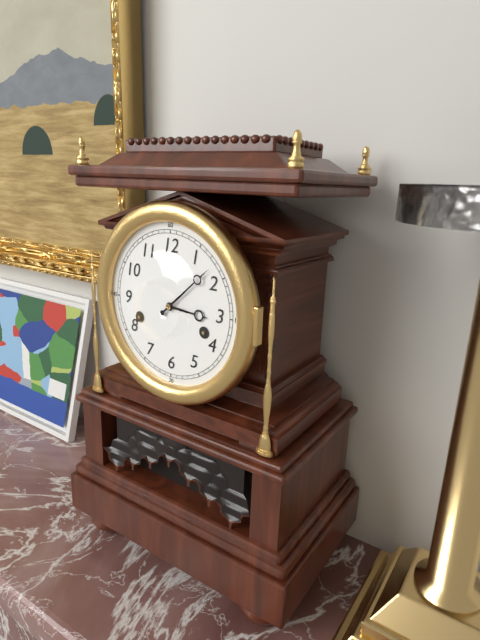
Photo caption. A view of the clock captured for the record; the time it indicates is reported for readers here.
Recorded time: 3:08
